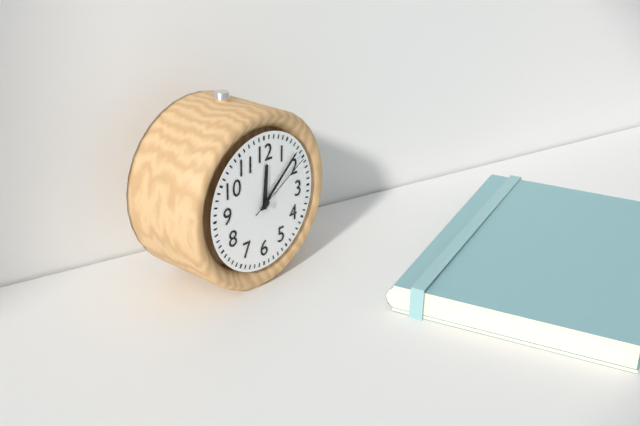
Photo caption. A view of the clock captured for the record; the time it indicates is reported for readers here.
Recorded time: 12:08:10
